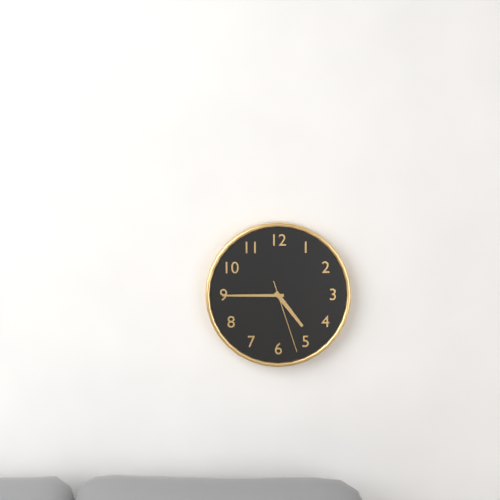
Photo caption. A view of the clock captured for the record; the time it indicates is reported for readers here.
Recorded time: 4:45:27
